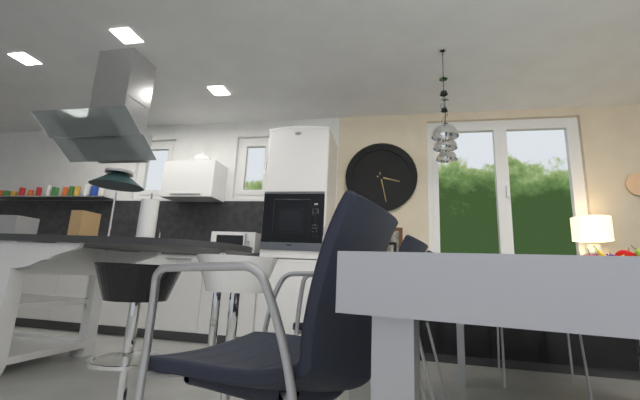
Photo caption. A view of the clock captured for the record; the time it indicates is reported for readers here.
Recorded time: 3:28
